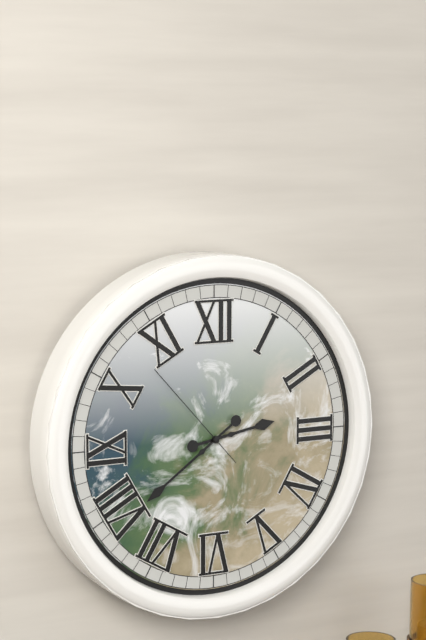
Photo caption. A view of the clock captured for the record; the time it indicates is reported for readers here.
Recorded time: 2:39:53
